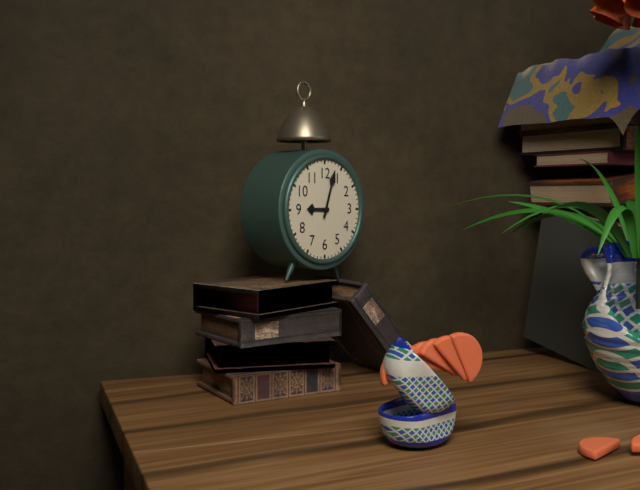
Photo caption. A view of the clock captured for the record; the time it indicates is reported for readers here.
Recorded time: 9:03
